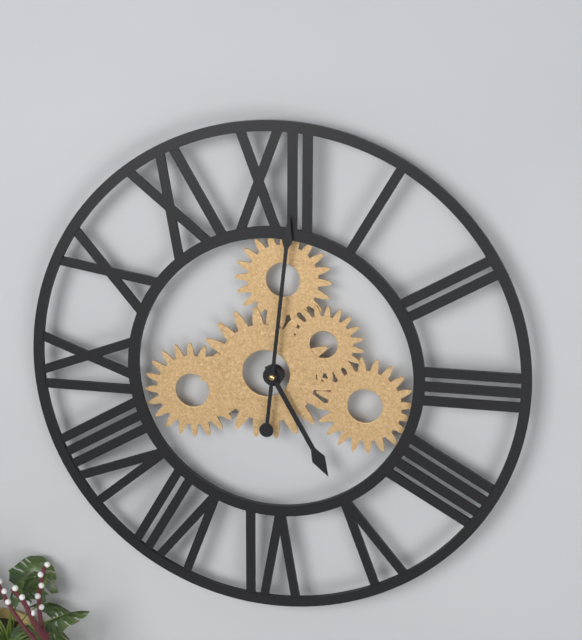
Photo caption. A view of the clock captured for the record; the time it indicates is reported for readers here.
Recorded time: 5:01
